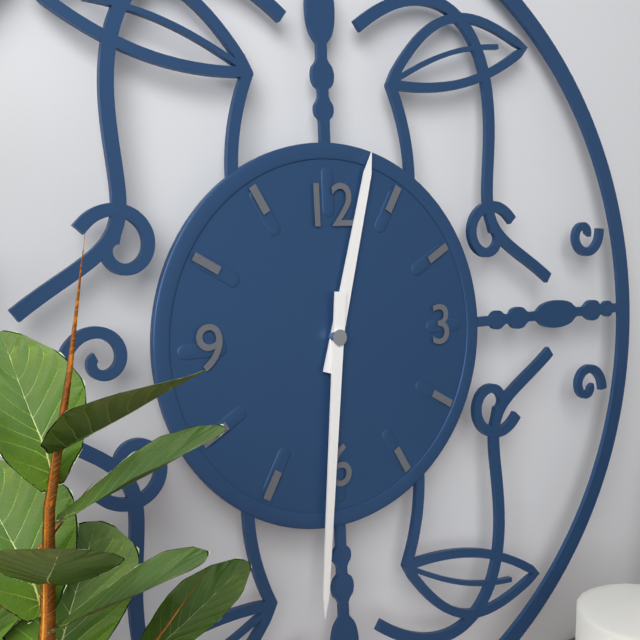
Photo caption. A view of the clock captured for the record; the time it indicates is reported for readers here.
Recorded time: 12:31
